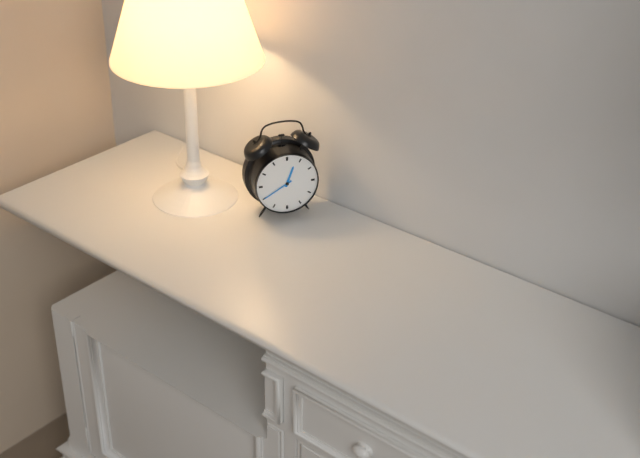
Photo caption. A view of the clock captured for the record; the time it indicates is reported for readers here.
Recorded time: 12:40
